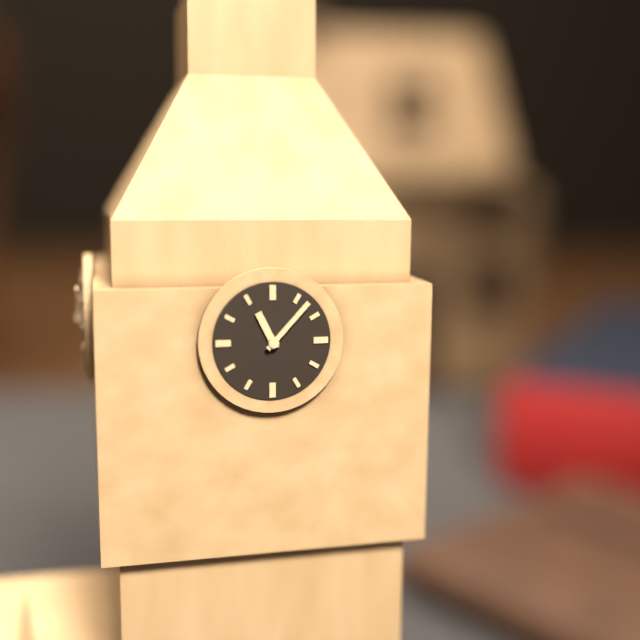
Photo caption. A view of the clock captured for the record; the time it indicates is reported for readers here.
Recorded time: 11:07
